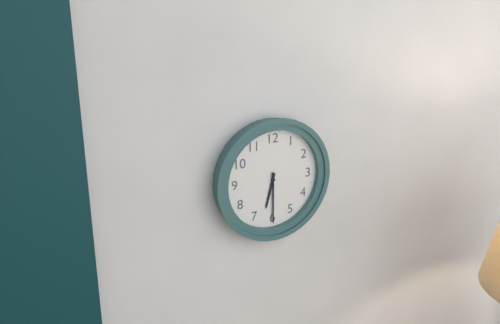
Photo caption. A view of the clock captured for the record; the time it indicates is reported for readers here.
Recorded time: 6:30
